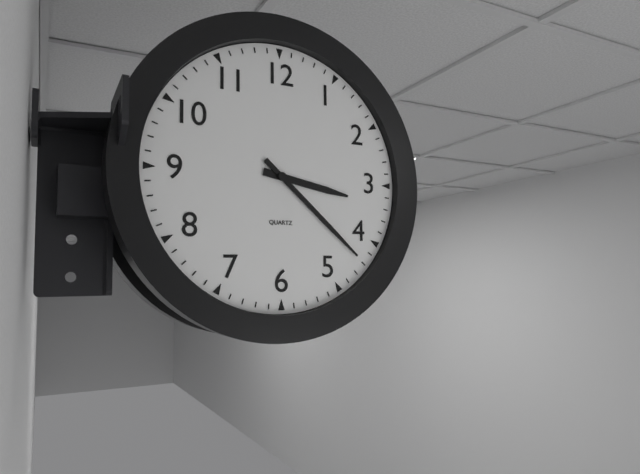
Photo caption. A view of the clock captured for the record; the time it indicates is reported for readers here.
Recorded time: 3:22
